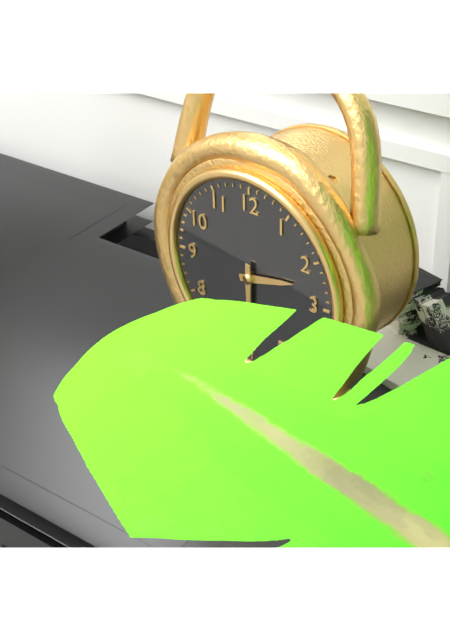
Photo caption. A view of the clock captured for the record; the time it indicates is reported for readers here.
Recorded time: 2:30
